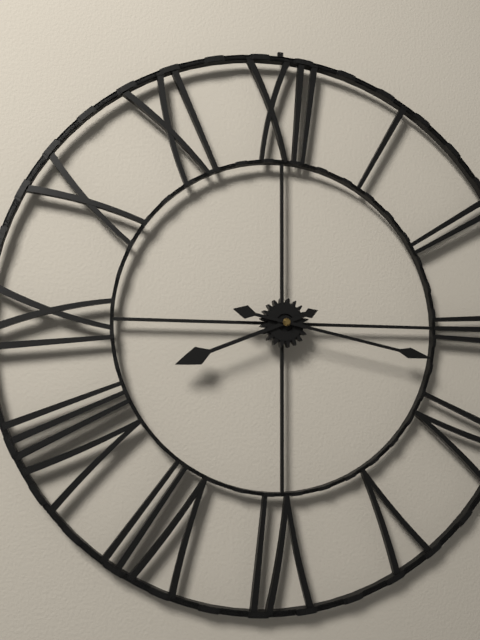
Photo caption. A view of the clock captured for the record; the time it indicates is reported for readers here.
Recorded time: 8:17
